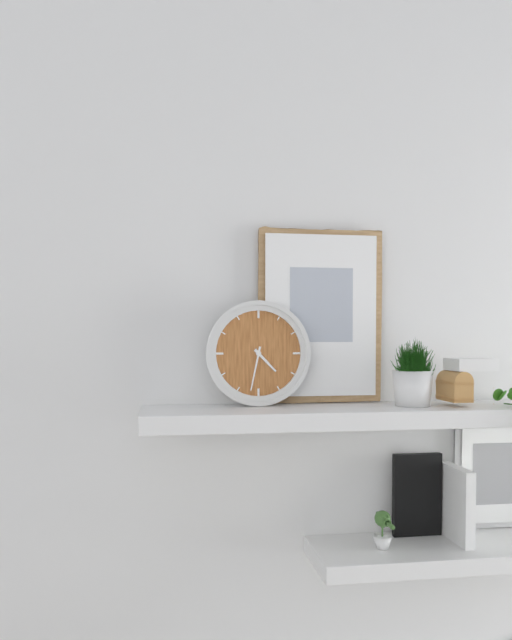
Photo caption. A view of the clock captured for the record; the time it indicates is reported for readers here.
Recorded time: 4:32
